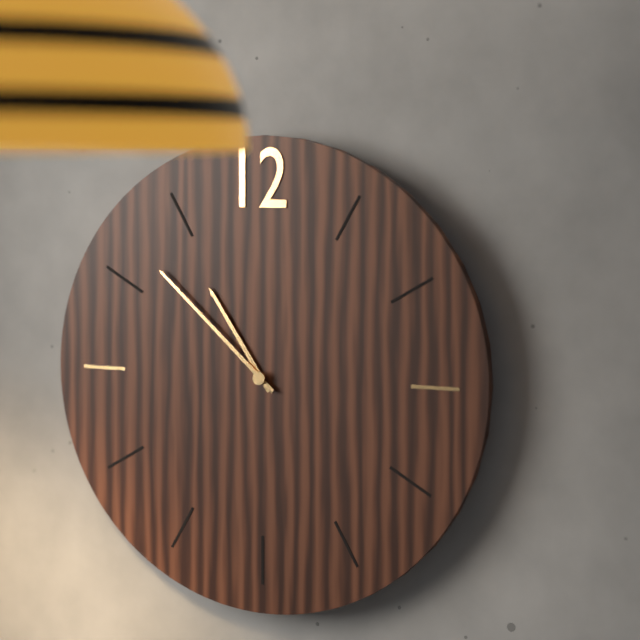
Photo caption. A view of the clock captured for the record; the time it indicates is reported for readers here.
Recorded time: 10:52
